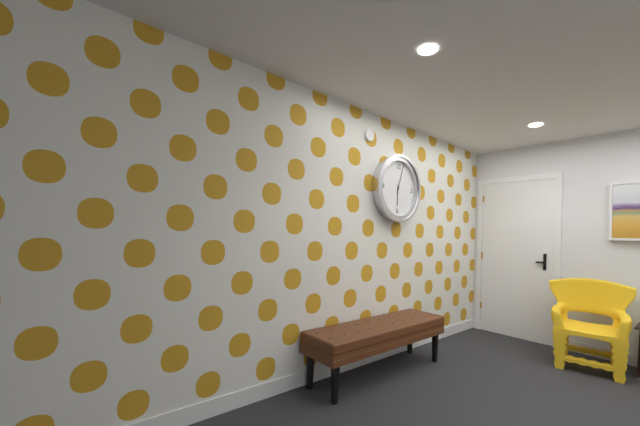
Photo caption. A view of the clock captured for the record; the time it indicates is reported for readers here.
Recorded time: 6:03
